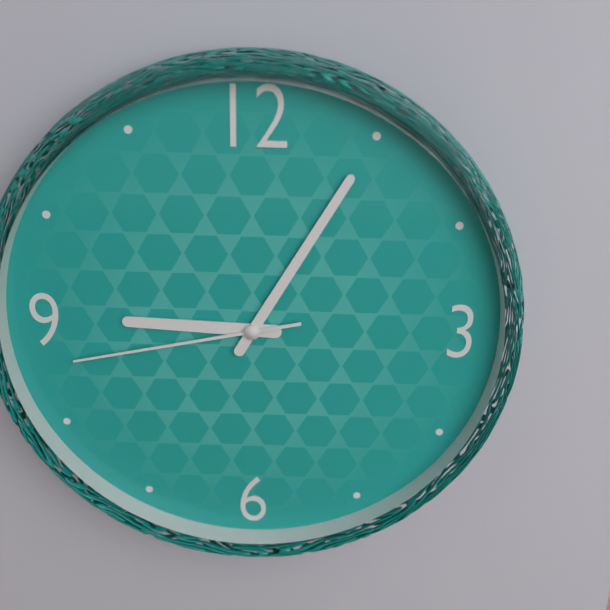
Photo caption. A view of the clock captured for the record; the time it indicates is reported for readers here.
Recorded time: 9:05:43
